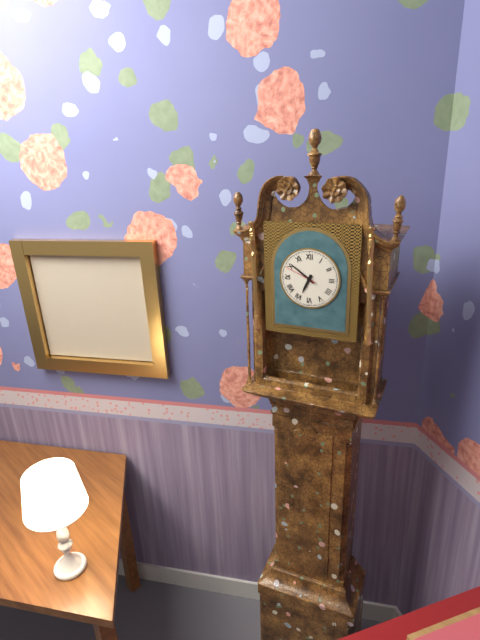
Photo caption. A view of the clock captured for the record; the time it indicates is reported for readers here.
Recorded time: 6:51
